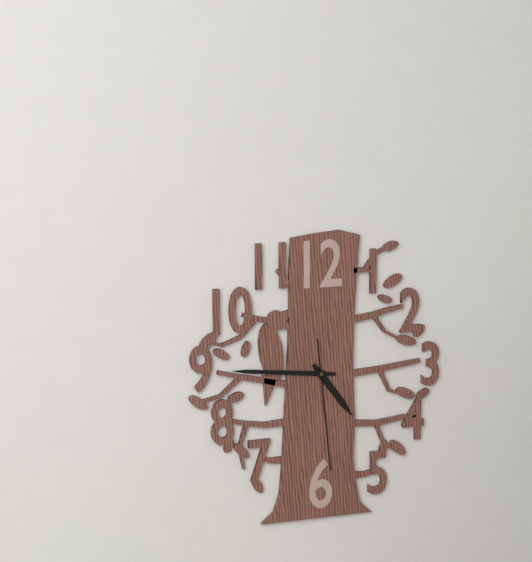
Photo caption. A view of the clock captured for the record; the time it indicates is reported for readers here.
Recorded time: 4:46:29
